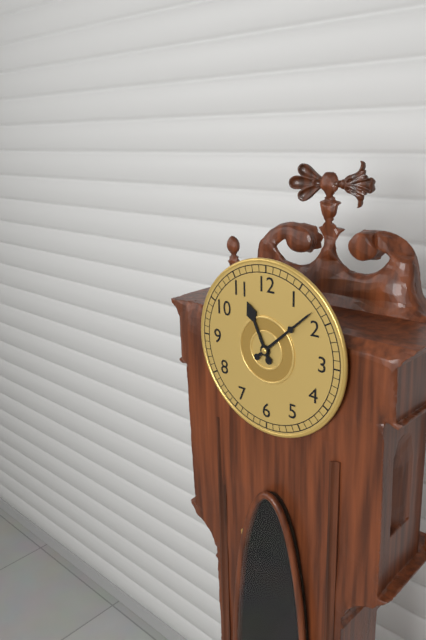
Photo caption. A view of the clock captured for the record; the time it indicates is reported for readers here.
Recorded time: 11:08
